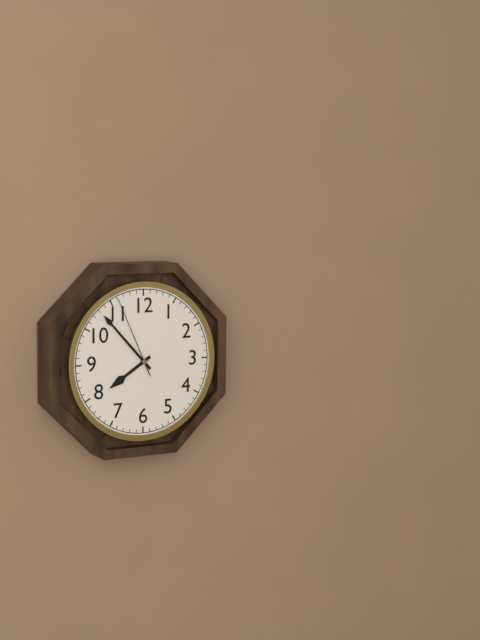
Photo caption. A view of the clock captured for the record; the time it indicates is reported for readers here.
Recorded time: 7:53:56
